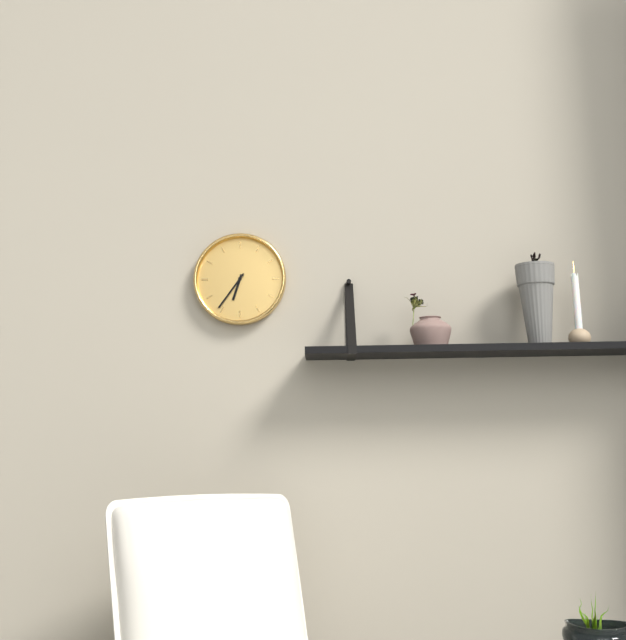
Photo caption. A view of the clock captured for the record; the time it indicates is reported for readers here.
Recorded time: 6:36
